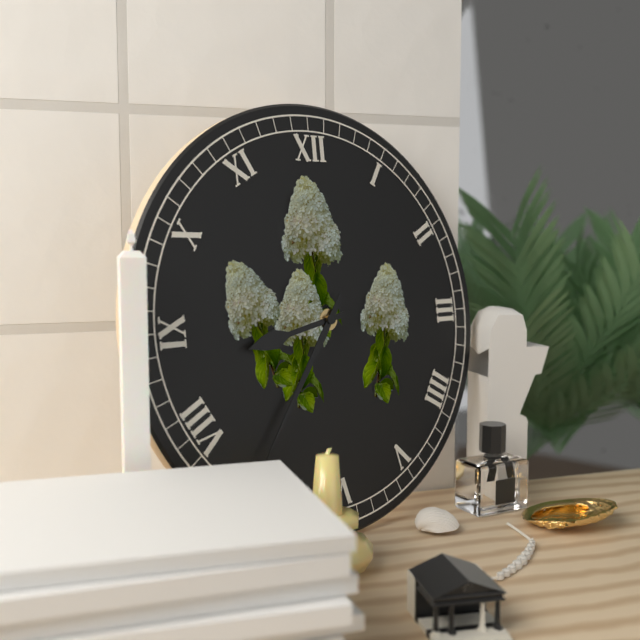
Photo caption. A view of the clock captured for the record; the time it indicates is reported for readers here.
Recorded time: 8:36
